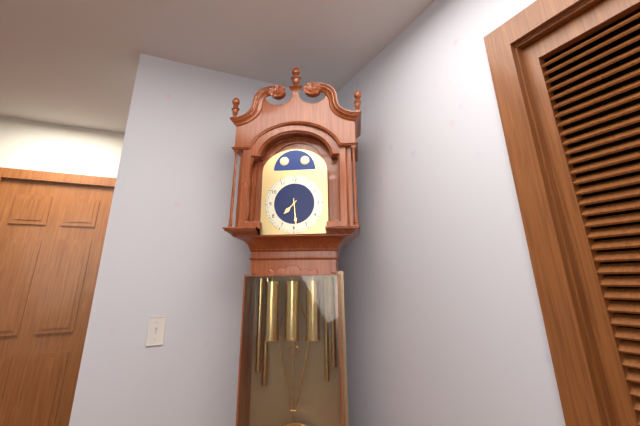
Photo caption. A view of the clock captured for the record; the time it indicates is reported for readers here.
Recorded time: 7:29
